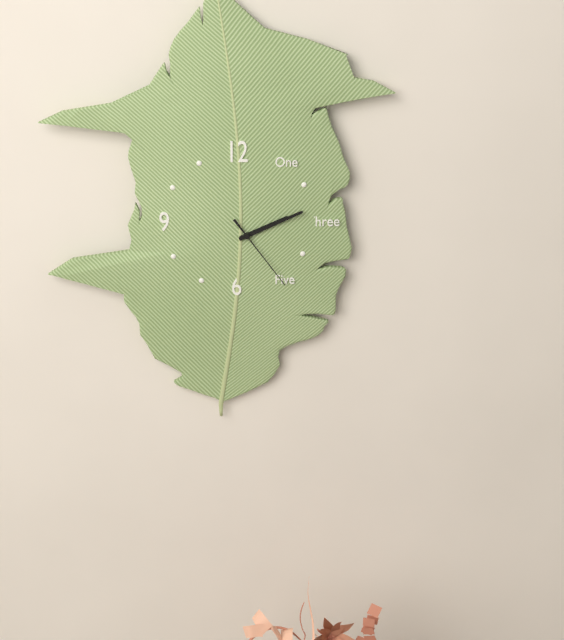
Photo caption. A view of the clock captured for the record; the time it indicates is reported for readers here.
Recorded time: 2:11:24
